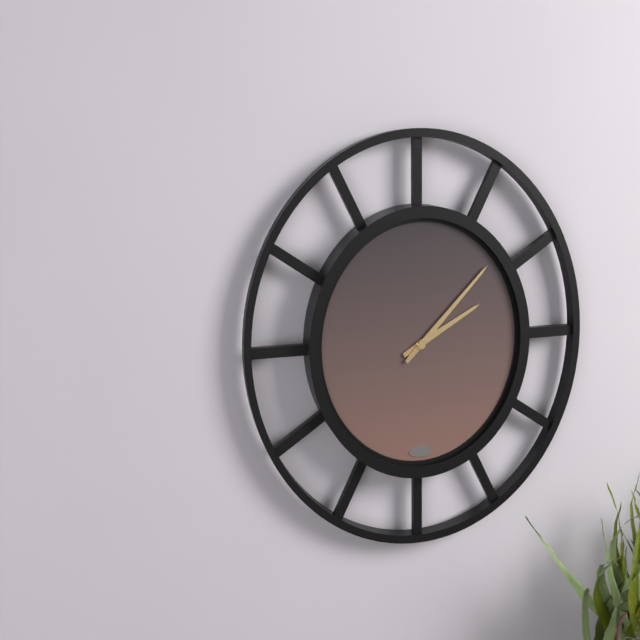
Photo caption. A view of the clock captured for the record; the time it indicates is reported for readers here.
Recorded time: 2:08
